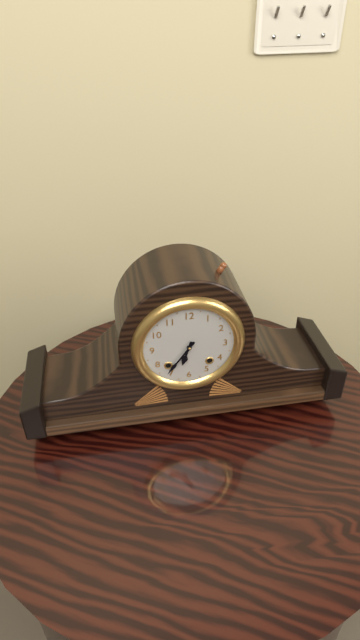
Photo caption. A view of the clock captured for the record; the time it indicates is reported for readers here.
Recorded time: 6:36
